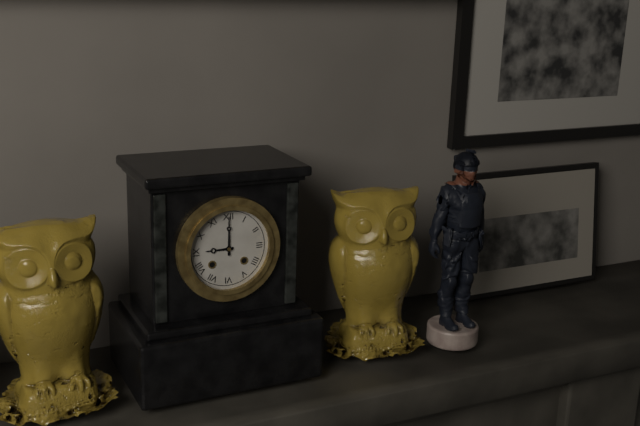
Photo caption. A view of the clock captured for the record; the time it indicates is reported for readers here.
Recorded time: 9:00
